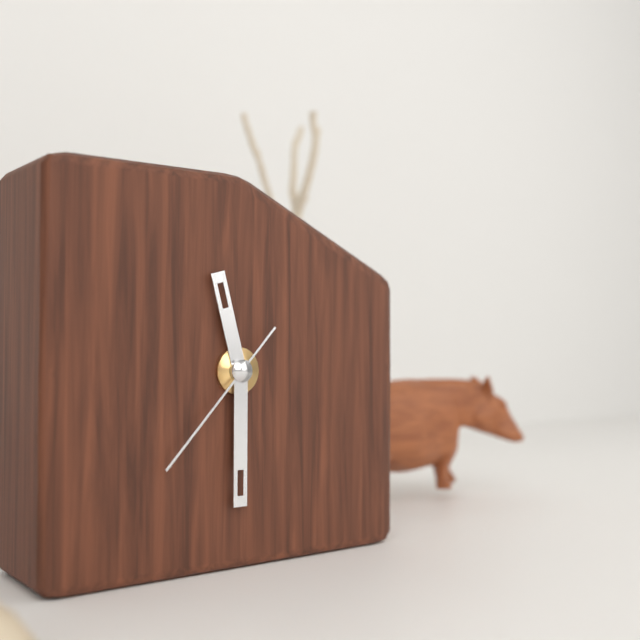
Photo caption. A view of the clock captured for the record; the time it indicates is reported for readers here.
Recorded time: 11:30:37
